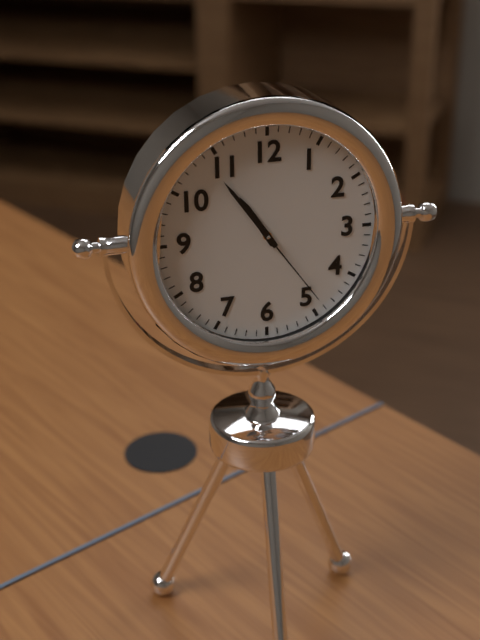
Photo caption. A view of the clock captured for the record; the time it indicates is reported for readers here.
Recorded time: 10:54:24
